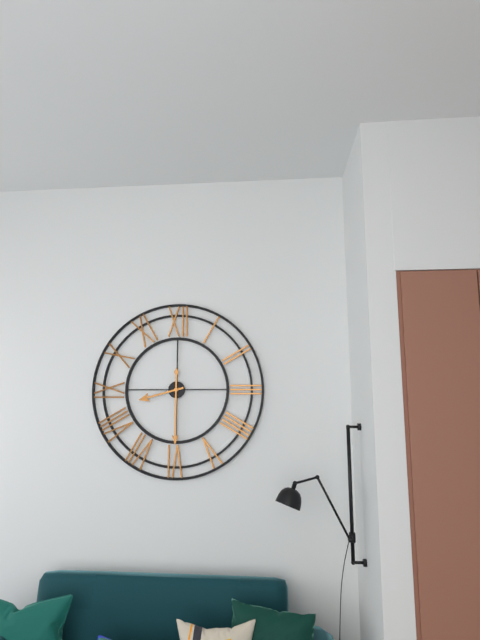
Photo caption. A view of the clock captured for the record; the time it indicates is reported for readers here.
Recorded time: 8:30
